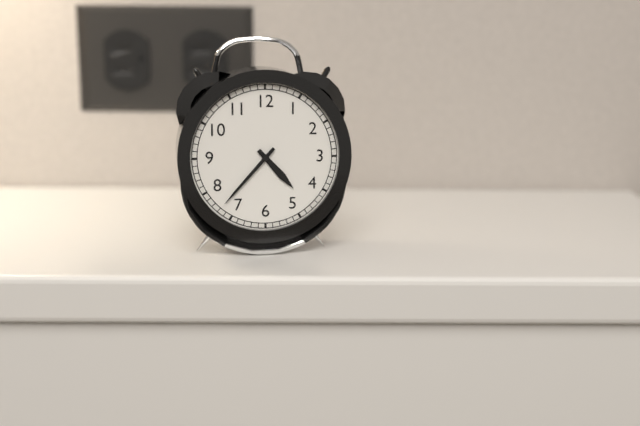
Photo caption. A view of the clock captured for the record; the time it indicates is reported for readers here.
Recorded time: 4:37
